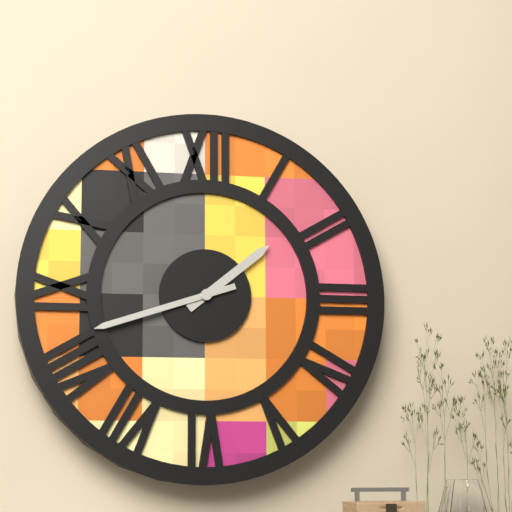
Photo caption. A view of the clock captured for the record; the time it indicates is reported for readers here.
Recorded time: 1:42
